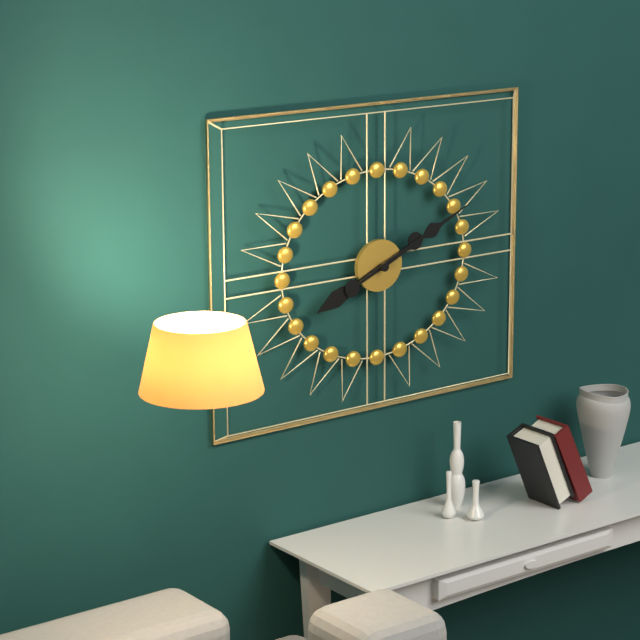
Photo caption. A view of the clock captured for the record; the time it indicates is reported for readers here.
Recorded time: 8:11
